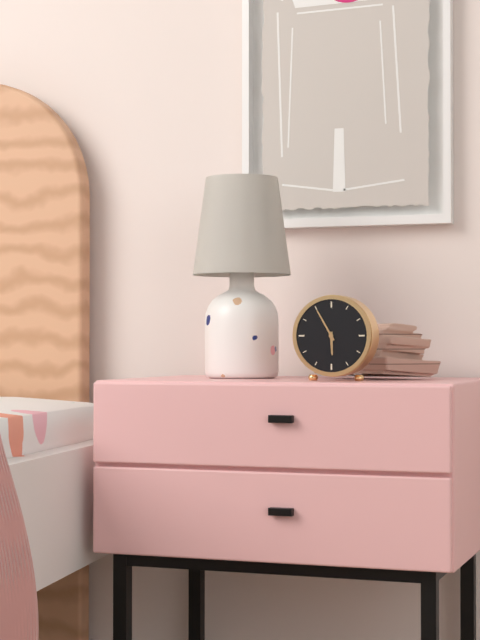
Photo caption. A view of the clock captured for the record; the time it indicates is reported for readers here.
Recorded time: 5:55
